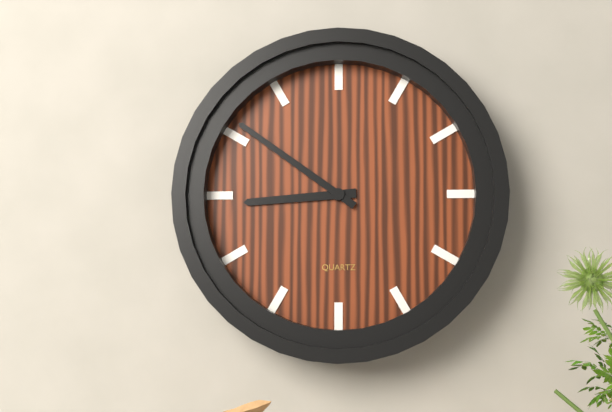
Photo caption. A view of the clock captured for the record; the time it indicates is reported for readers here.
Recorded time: 8:51
